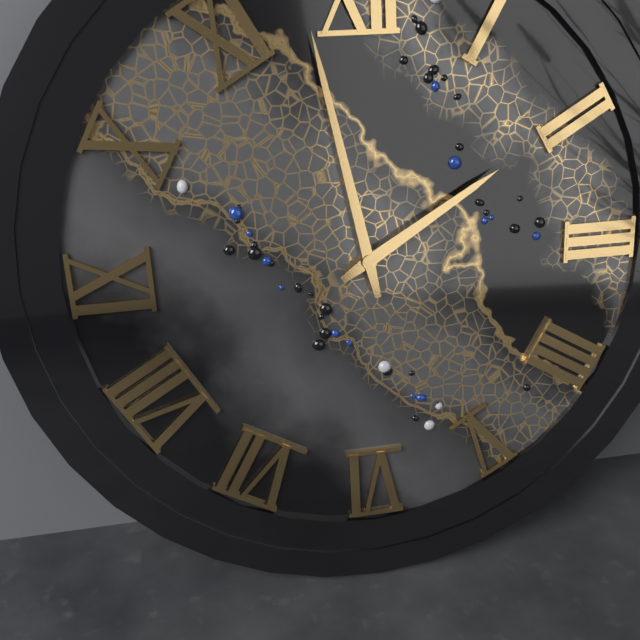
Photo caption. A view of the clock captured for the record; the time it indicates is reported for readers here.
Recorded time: 1:58
